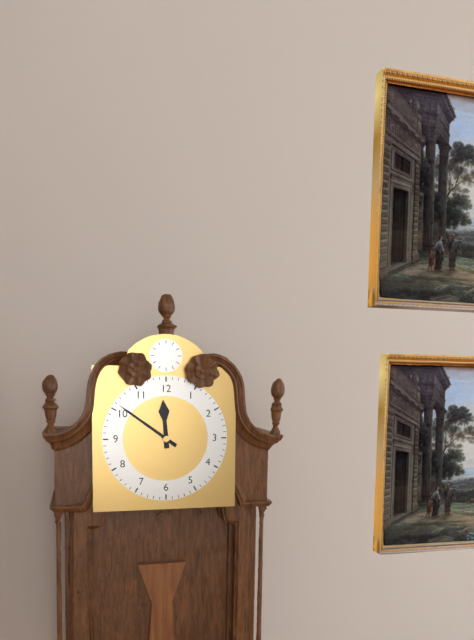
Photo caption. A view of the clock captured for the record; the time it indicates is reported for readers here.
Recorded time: 11:51
